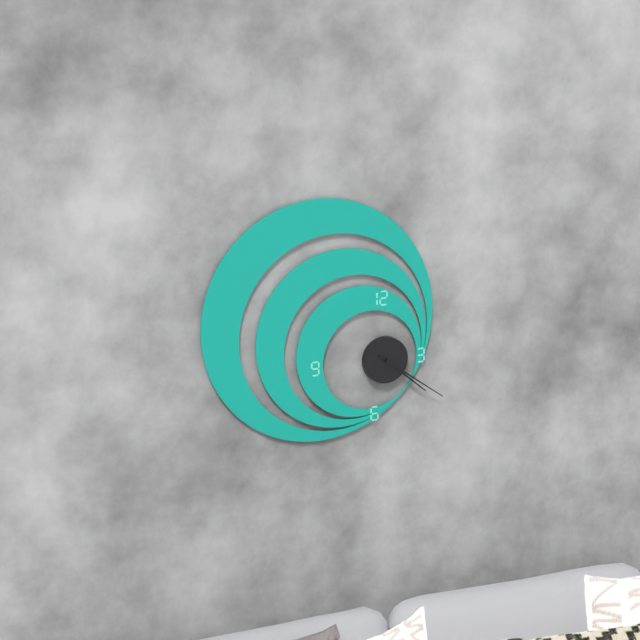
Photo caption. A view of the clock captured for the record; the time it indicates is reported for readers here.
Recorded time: 4:21
